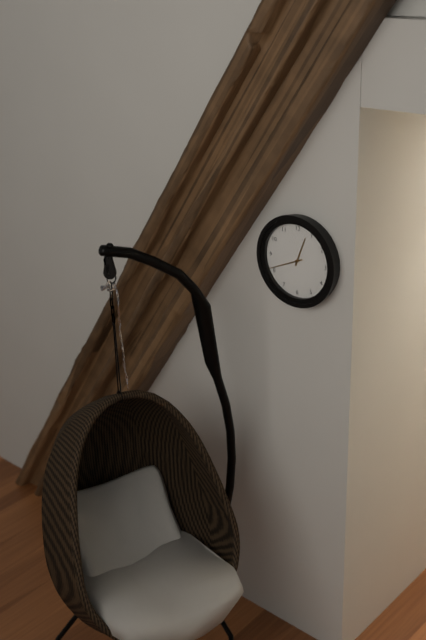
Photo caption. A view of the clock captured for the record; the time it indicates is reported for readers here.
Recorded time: 12:41
